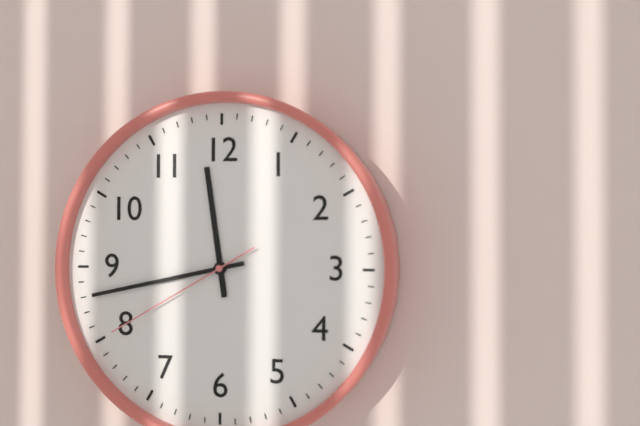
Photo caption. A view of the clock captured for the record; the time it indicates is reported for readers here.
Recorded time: 11:43:40
